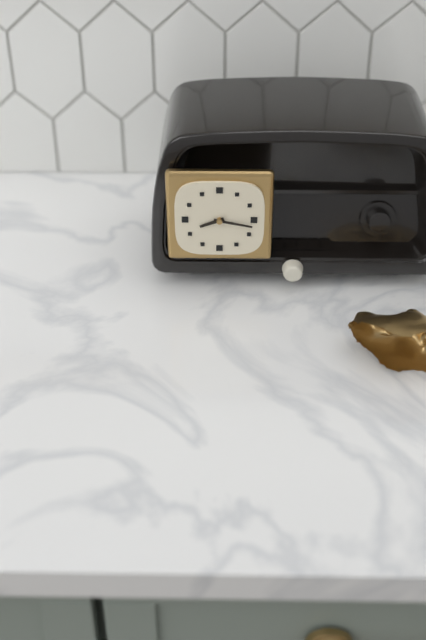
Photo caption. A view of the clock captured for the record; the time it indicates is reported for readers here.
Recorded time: 8:17
